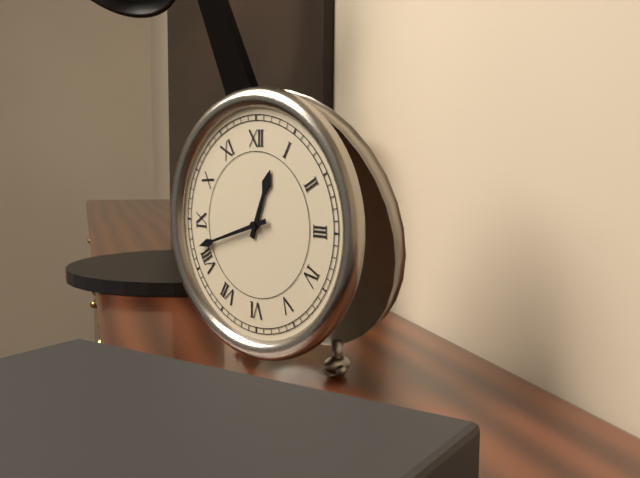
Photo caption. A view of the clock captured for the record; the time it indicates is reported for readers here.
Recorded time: 12:42
